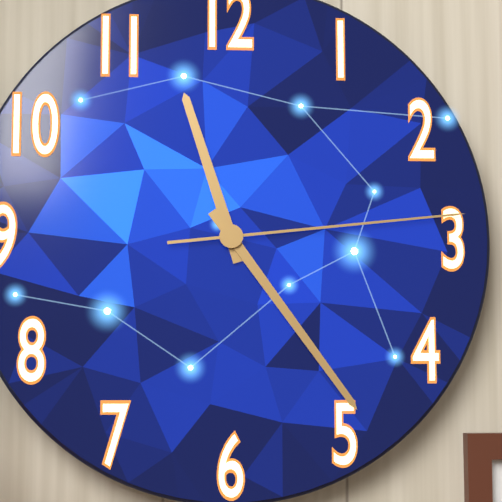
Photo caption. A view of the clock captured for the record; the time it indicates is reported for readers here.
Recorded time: 11:24:14
